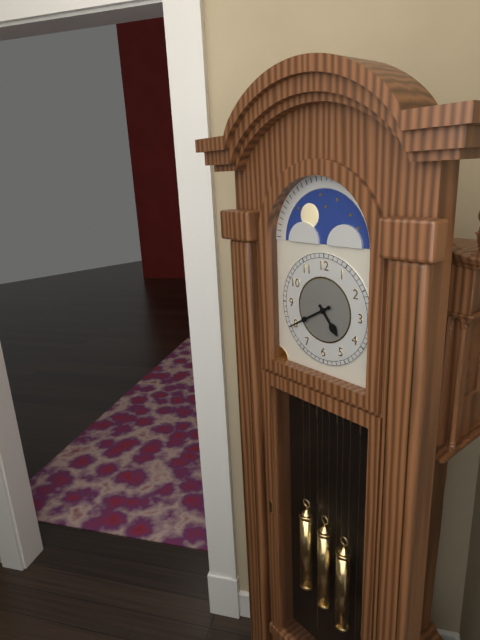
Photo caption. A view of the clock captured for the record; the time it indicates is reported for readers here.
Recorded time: 4:40
